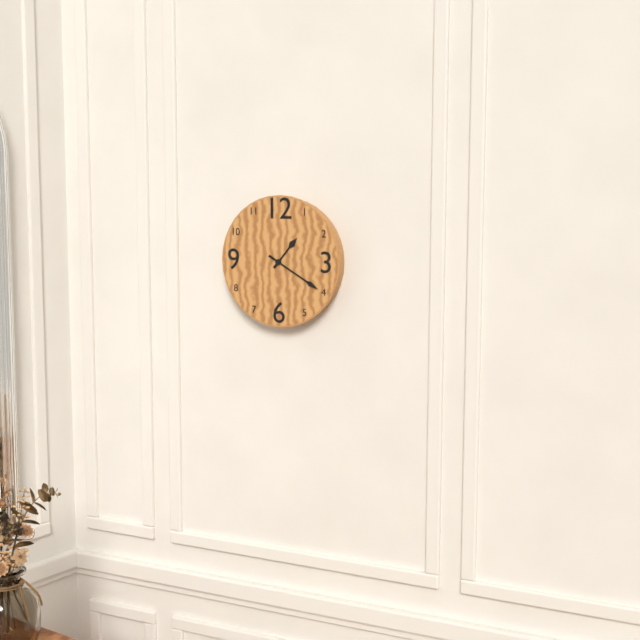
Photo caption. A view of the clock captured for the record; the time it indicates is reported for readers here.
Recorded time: 1:20
